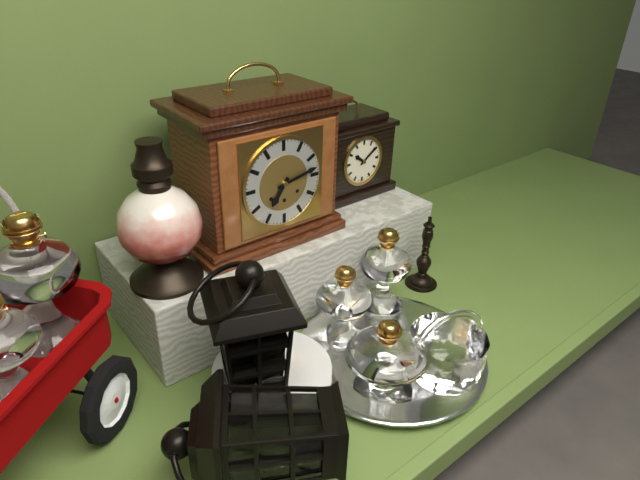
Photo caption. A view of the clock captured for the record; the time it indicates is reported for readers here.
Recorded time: 7:13
